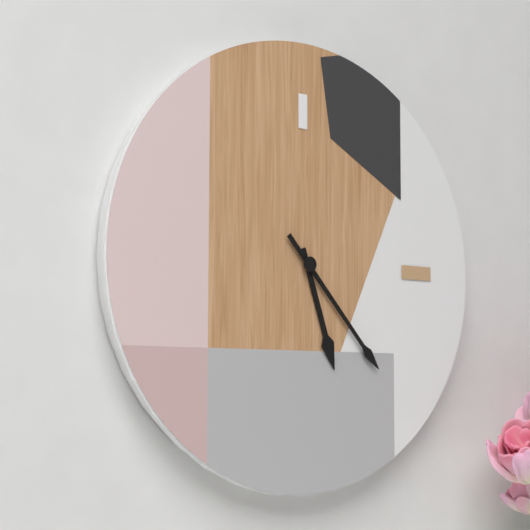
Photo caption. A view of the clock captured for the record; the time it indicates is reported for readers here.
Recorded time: 5:23
